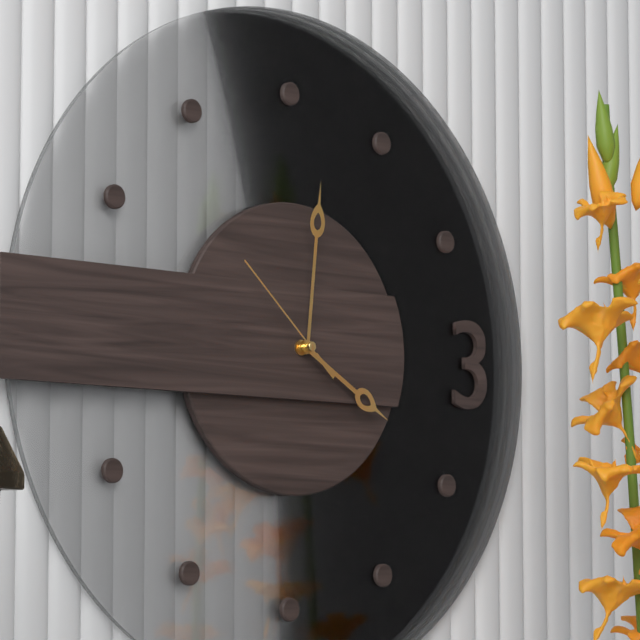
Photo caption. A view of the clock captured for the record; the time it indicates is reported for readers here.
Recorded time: 4:01:52
